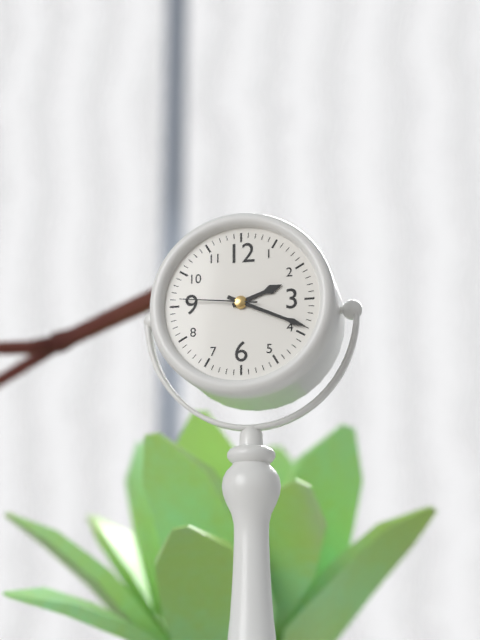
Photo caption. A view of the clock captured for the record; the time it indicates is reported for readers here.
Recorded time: 2:19:46
